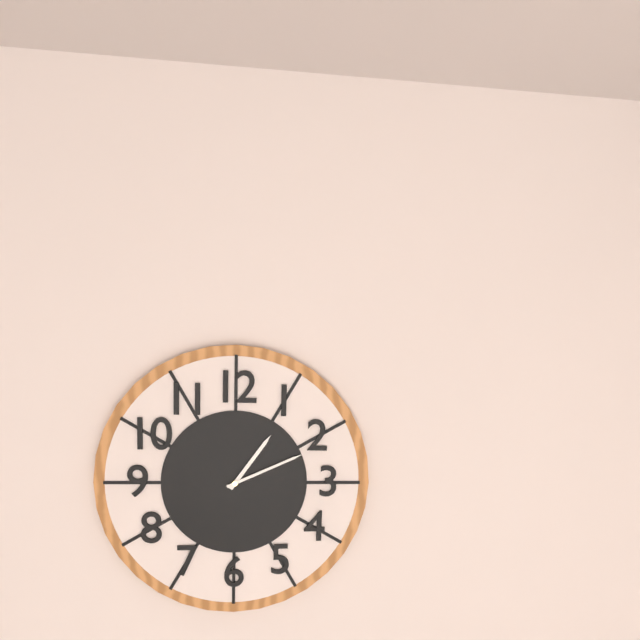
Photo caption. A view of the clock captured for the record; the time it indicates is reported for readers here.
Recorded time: 1:11
